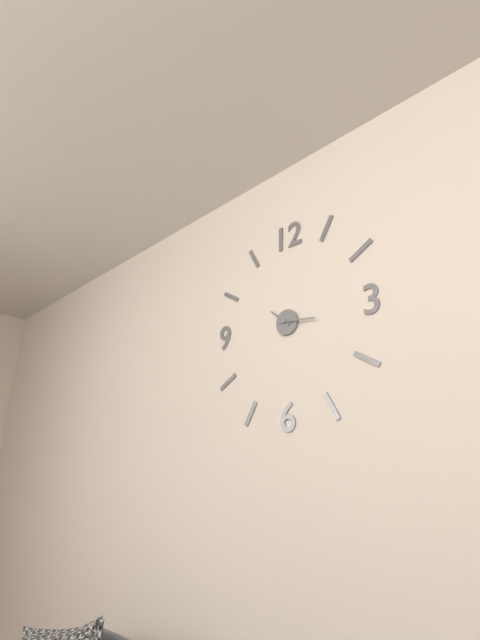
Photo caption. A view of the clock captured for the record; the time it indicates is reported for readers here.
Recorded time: 10:16
